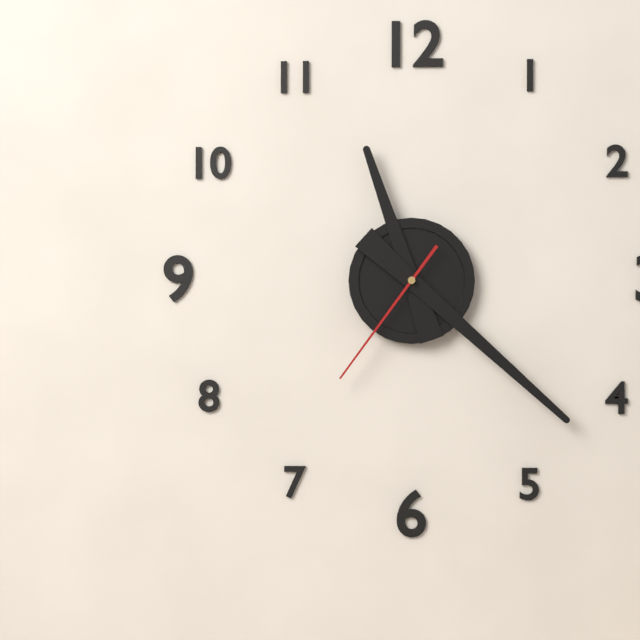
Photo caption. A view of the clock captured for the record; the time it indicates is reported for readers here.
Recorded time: 11:22:36
